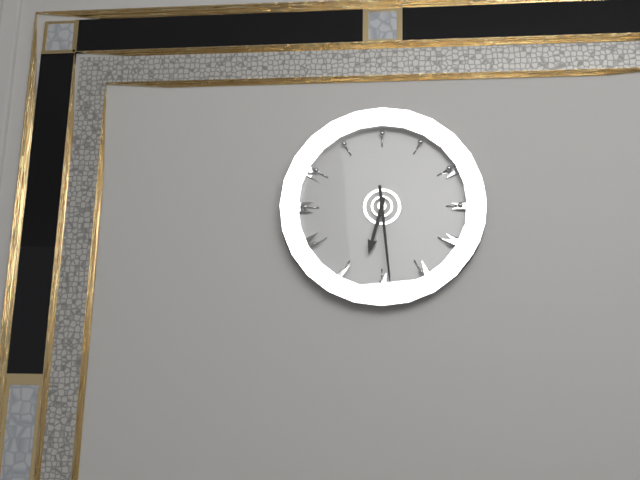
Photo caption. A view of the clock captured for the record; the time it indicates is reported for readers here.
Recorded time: 6:29
